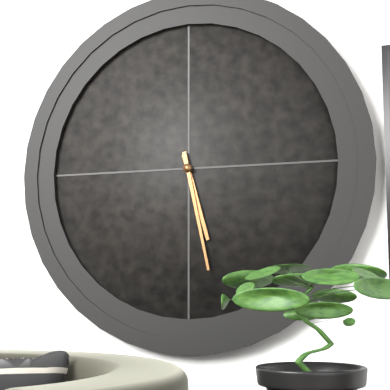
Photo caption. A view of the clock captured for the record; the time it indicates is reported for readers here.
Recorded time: 5:28
